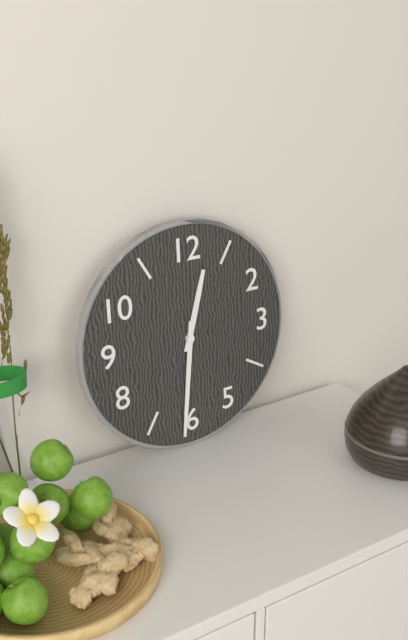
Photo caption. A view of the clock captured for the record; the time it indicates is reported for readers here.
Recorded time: 12:31
